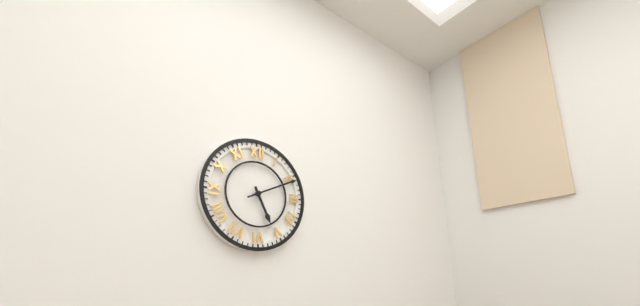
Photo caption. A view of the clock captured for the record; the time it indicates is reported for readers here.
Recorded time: 5:11
